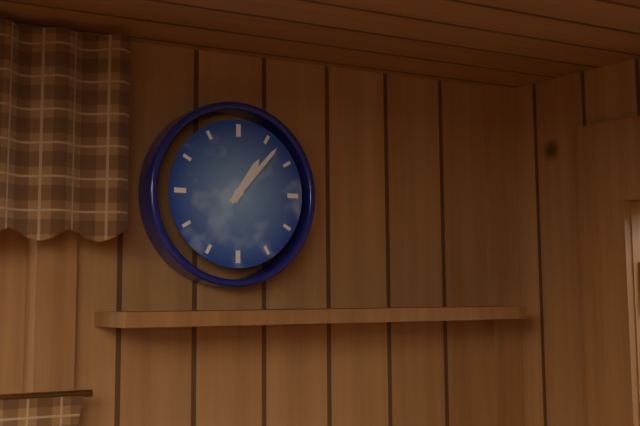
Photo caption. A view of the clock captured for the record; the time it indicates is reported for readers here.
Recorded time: 1:07
